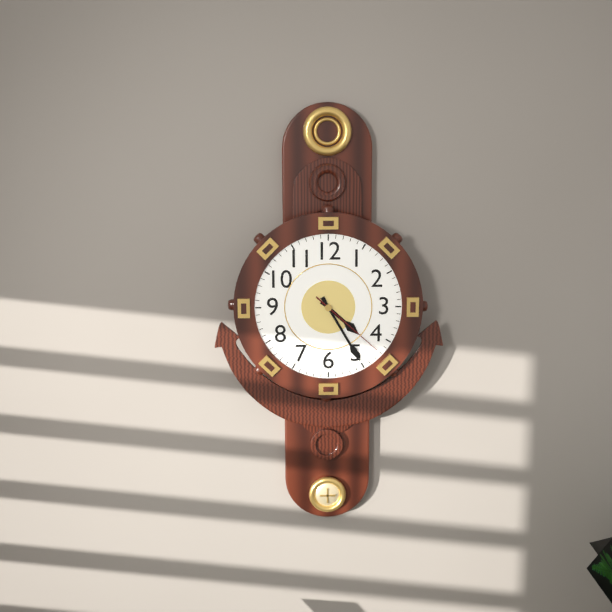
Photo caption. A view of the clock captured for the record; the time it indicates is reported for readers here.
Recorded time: 4:25:22
